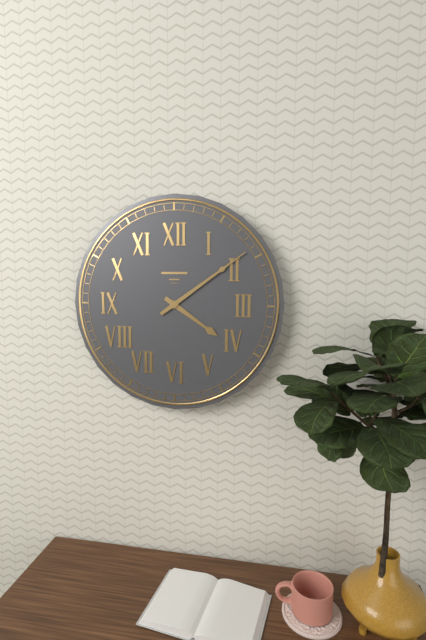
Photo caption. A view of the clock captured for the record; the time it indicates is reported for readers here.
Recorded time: 4:09
